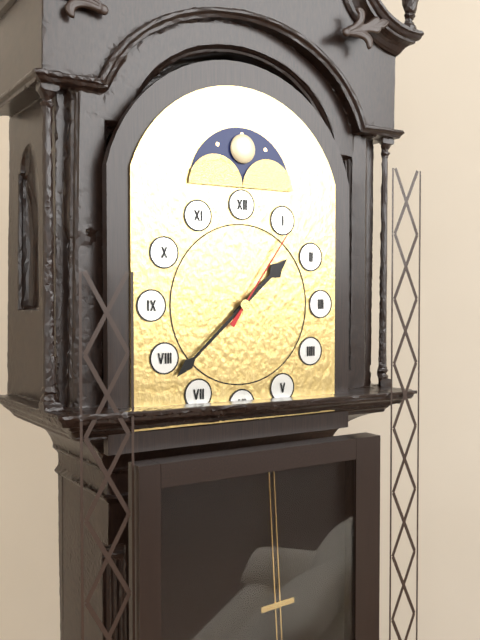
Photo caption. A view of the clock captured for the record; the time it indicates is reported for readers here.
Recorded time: 1:38:06
